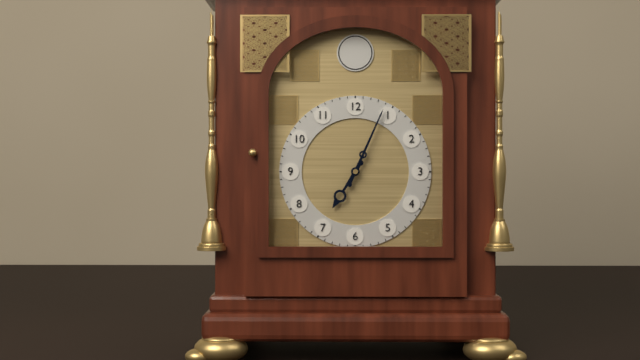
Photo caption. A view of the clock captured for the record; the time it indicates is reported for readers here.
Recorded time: 7:04
